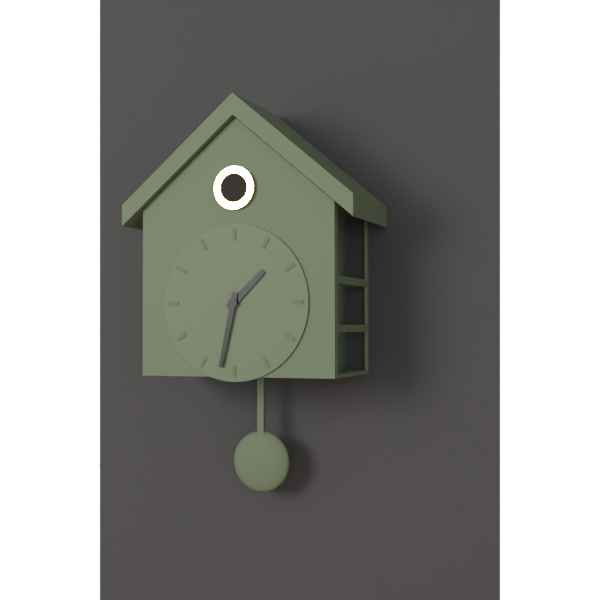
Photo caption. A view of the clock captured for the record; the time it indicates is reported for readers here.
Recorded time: 1:32
